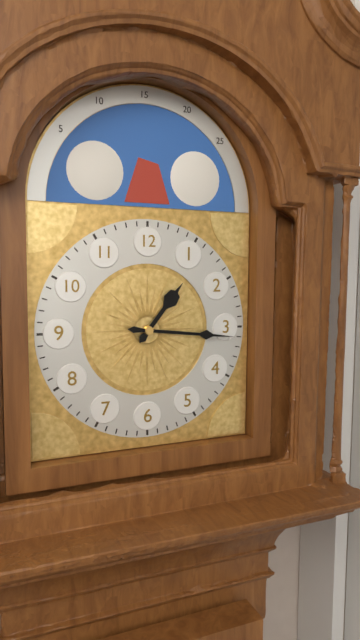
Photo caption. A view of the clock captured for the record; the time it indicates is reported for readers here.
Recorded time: 1:16
